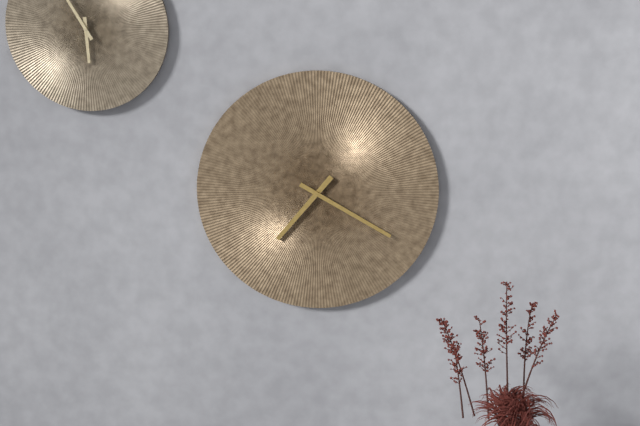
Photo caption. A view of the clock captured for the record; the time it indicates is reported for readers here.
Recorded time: 7:20
